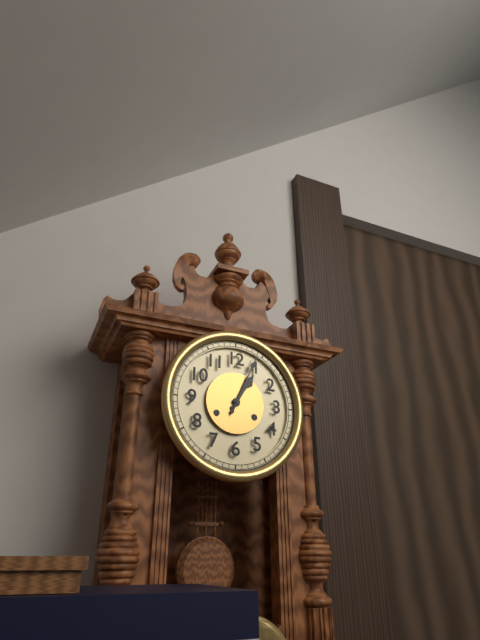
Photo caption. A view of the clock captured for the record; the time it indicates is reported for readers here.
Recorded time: 1:04
